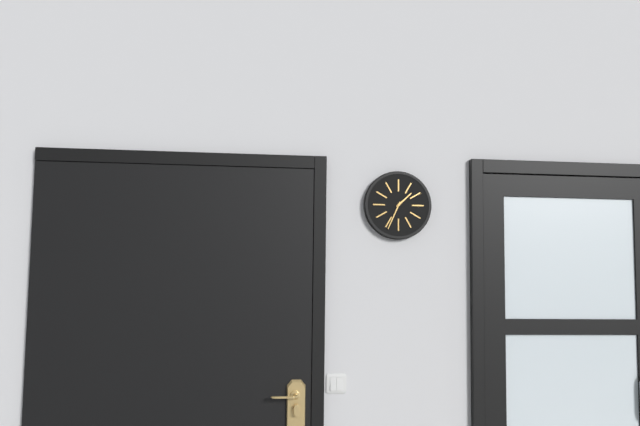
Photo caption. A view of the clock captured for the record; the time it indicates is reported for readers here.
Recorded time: 1:34
